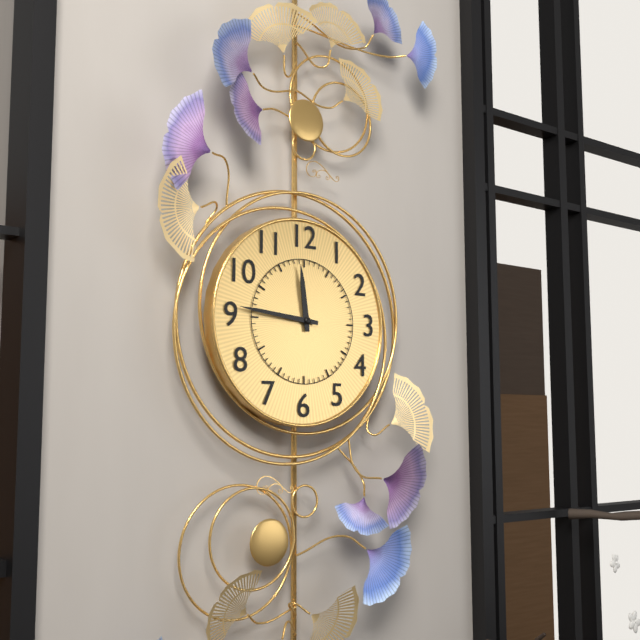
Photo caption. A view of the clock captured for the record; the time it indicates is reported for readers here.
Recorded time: 11:46
